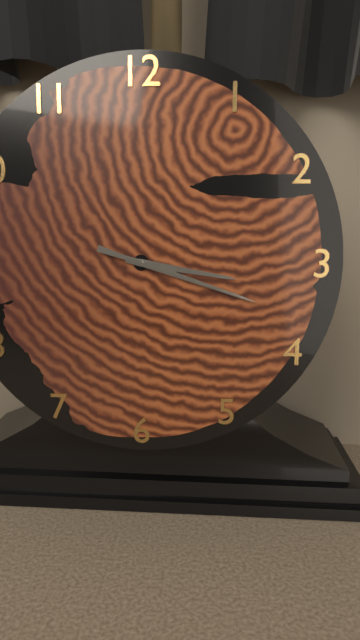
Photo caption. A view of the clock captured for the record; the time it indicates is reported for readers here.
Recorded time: 3:18:18
